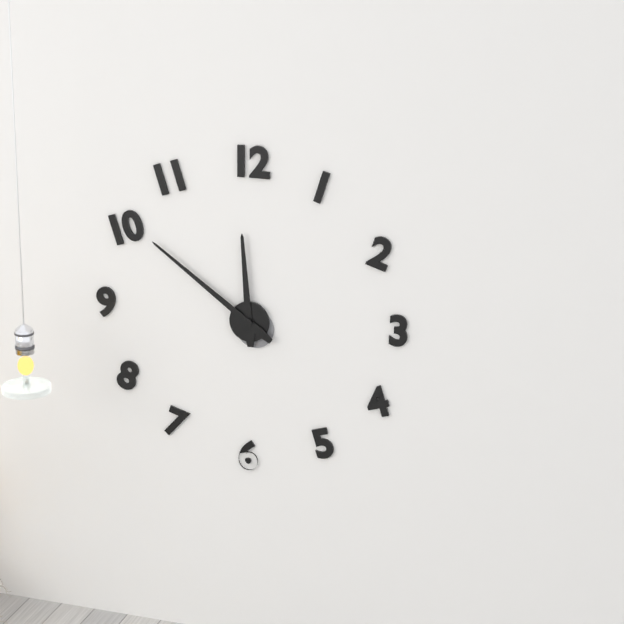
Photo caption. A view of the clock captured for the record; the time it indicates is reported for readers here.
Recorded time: 11:51
